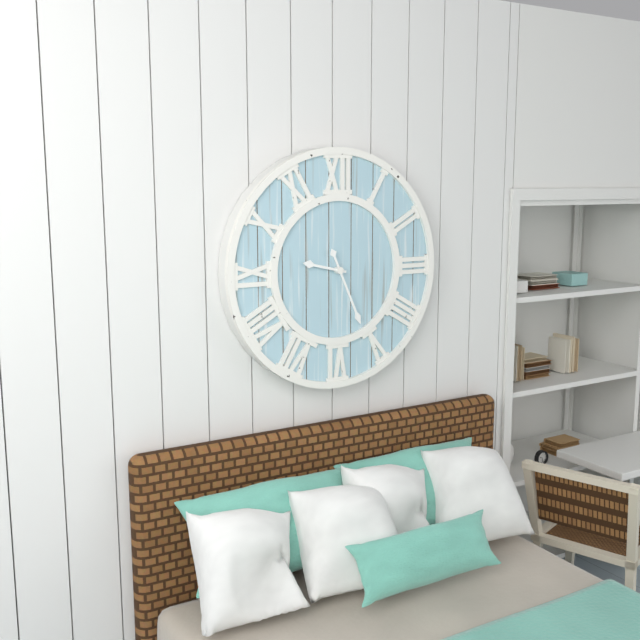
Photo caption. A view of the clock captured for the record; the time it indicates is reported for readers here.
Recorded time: 9:26
